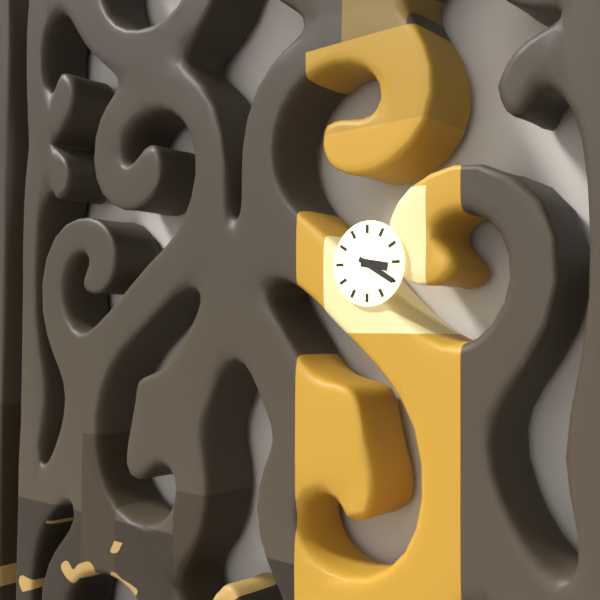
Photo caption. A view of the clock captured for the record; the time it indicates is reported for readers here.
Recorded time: 3:20
